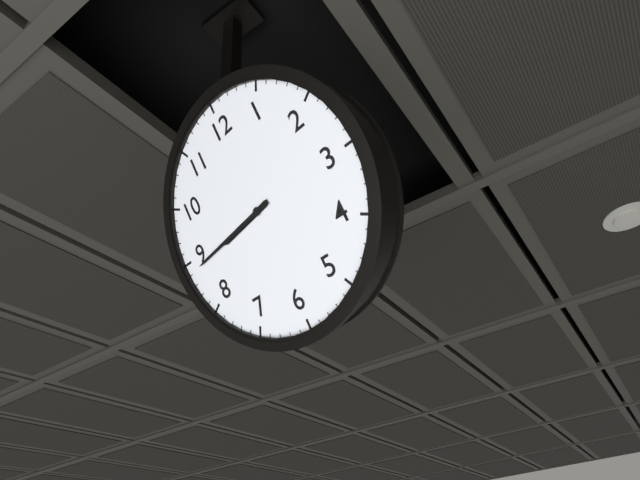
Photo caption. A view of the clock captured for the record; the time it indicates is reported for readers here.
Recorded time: 8:44
